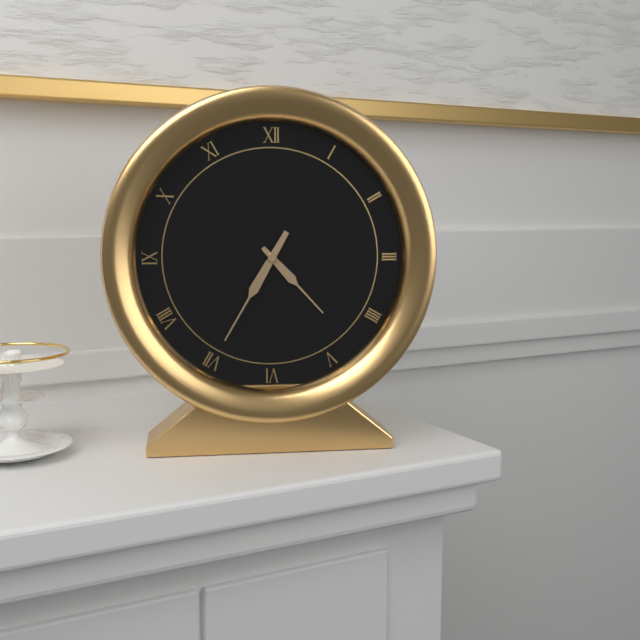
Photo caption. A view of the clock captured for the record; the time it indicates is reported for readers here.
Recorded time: 4:35
